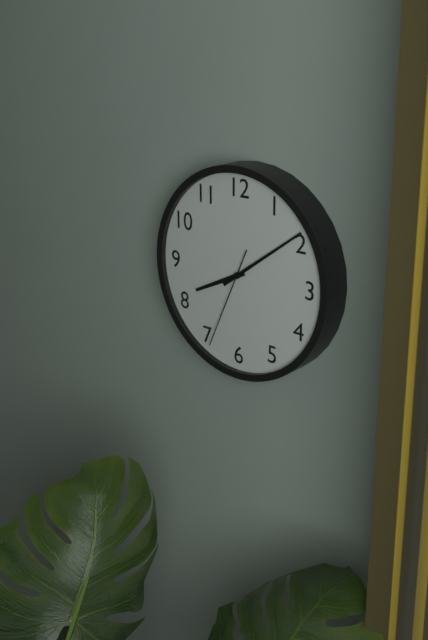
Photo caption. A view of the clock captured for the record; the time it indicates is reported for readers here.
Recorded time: 8:09:34
